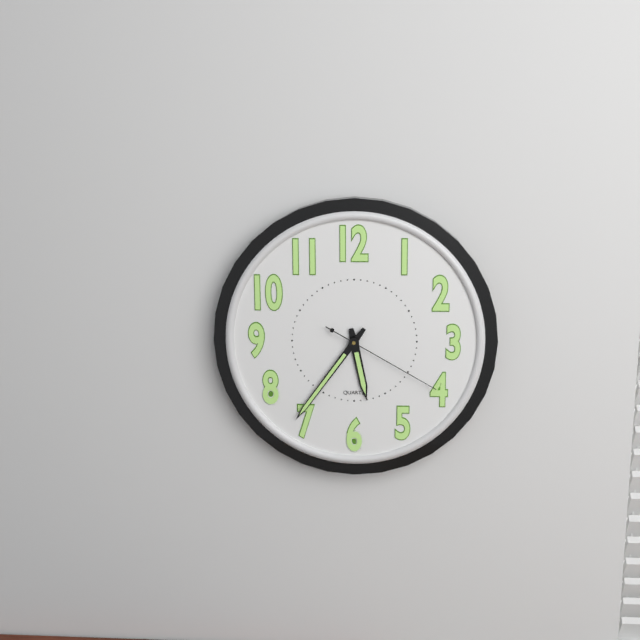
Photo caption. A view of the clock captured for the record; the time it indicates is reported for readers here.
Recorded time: 5:36:20
